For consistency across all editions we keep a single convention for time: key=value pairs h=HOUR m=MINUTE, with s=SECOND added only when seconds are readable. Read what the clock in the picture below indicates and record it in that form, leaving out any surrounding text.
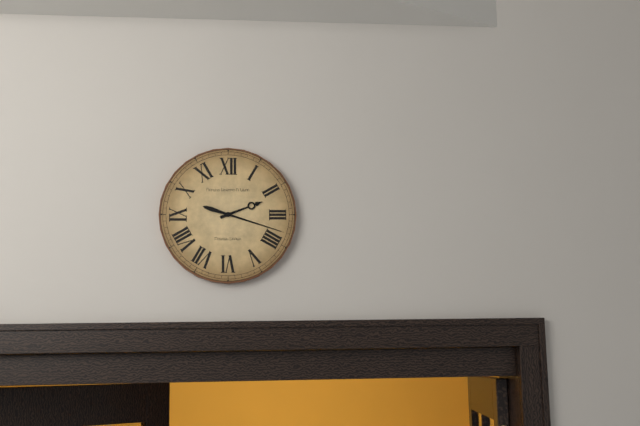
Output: h=2 m=18
